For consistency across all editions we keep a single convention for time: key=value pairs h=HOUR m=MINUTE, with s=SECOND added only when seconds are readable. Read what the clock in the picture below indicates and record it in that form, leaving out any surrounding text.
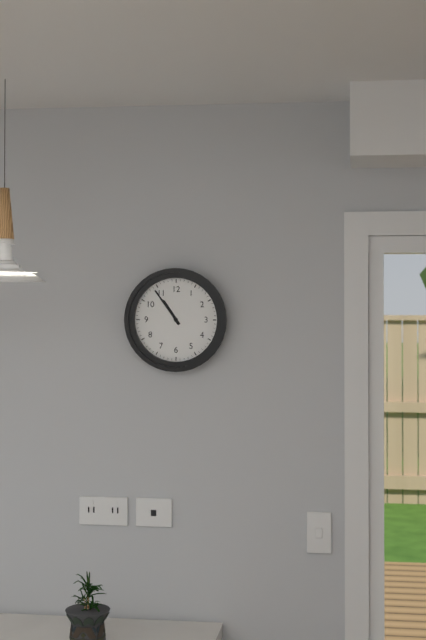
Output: h=10 m=54
